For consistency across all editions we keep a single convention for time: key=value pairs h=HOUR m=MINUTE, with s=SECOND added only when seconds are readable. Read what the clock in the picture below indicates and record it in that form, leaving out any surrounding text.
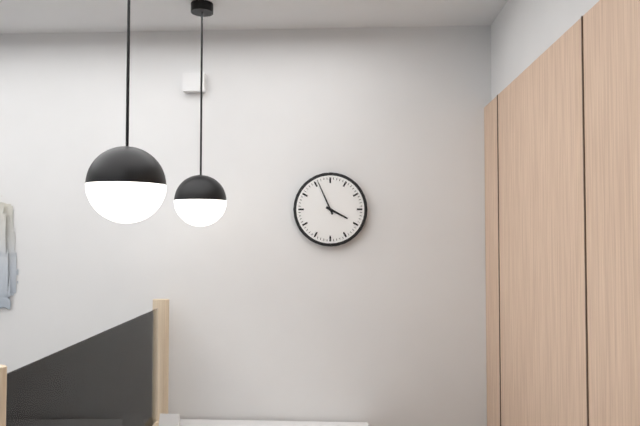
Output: h=3 m=56
